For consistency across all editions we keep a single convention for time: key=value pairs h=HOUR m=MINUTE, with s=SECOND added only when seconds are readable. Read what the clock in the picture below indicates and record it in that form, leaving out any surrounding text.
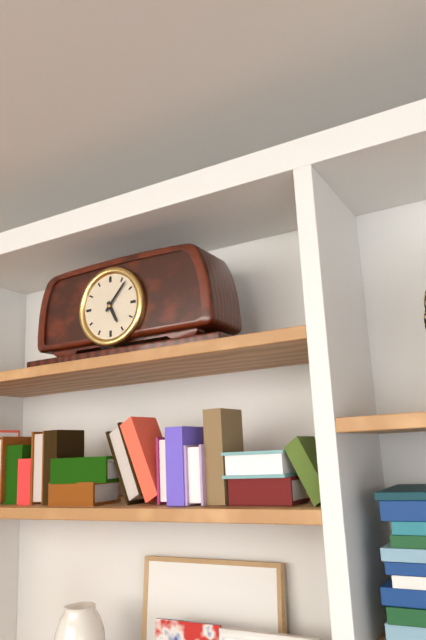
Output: h=5 m=7
